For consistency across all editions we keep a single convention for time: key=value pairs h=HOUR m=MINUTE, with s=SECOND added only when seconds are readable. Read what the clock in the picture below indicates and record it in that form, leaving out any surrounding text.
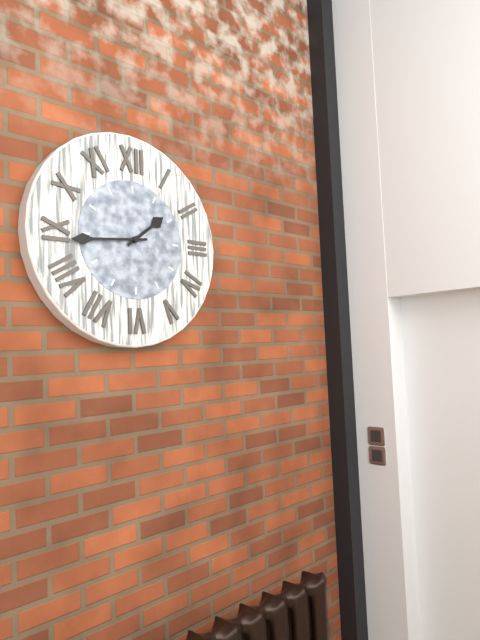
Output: h=1 m=44
